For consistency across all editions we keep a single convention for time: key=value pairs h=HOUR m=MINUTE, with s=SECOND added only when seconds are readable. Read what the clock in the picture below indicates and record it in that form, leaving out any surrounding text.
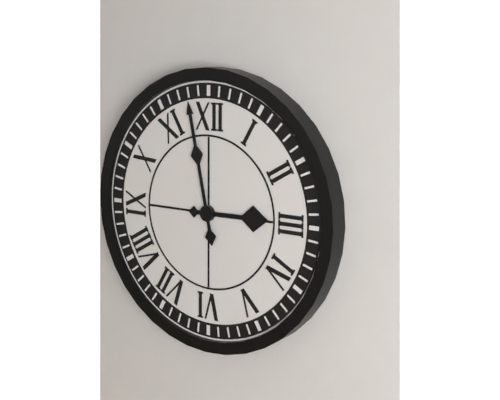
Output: h=2 m=58
